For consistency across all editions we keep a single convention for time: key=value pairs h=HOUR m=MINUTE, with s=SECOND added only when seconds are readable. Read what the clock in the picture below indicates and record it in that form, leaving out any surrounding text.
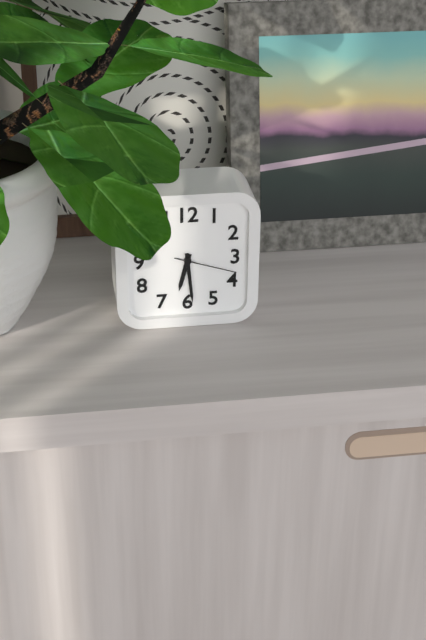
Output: h=6 m=29 s=18
